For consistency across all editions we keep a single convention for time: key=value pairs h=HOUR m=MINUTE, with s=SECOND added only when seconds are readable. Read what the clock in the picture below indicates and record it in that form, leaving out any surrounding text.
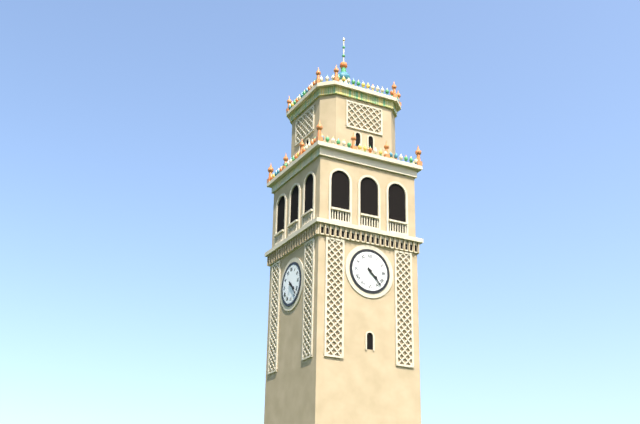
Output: h=4 m=23
